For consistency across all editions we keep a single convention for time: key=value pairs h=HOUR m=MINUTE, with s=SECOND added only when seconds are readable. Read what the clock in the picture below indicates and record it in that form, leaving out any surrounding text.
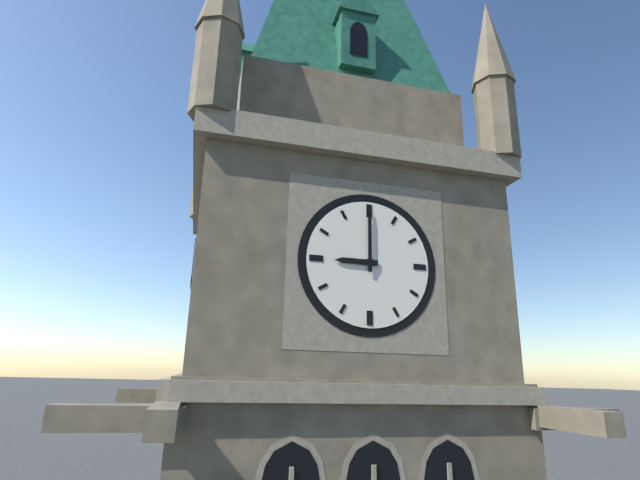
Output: h=9 m=0
